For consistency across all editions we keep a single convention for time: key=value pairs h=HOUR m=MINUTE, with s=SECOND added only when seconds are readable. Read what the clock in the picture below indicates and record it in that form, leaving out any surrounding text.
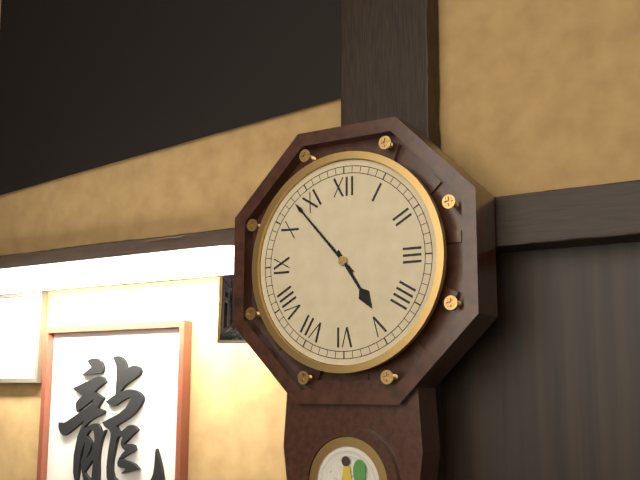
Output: h=4 m=53
